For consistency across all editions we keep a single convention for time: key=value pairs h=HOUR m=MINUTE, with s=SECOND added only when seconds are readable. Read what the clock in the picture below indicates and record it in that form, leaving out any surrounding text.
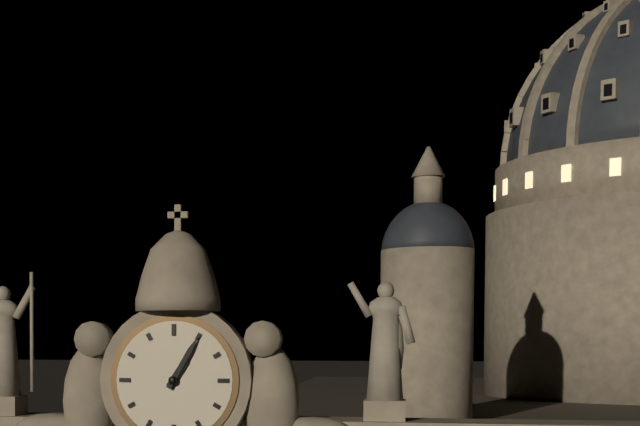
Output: h=1 m=5
